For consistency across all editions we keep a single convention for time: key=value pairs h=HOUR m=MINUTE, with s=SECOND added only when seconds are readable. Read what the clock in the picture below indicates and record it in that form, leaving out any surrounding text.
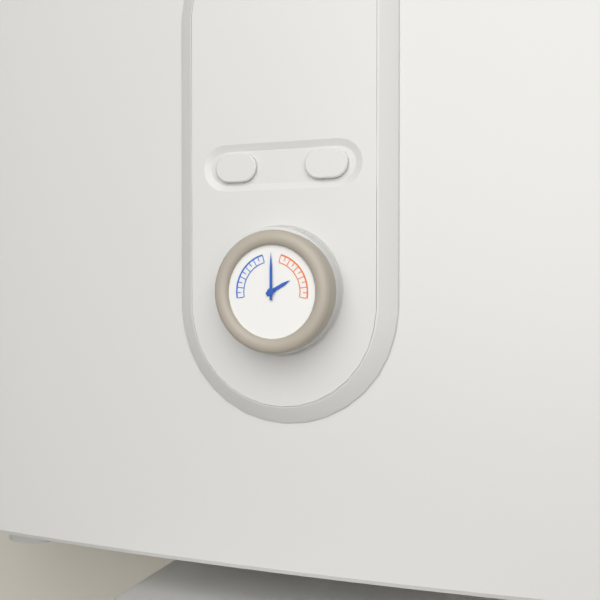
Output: h=2 m=0
